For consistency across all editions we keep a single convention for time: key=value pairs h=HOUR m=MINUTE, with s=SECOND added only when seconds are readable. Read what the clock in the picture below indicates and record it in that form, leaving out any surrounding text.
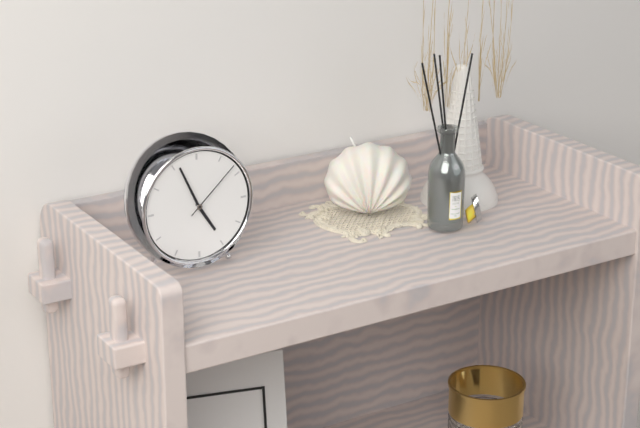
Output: h=4 m=56 s=8
